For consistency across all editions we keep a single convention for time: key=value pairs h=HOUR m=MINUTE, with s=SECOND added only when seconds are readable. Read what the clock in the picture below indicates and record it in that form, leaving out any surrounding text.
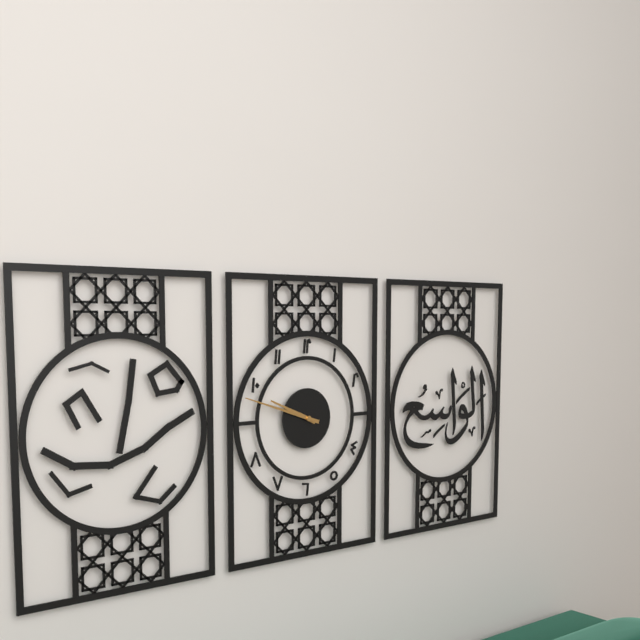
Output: h=9 m=48
